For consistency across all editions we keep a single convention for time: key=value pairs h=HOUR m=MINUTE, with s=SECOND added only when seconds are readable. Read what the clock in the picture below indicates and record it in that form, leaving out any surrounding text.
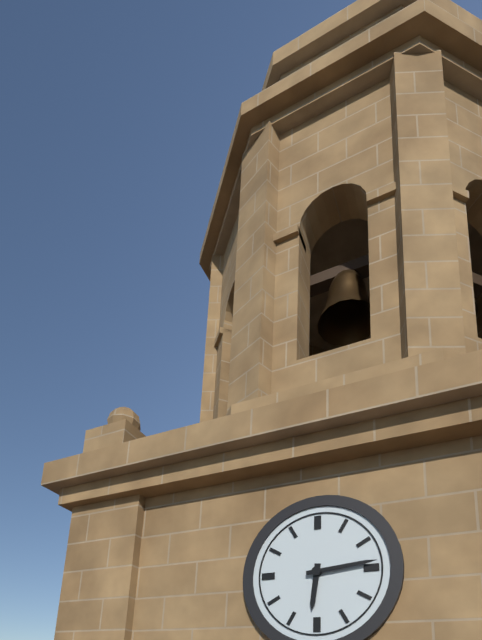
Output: h=6 m=14
